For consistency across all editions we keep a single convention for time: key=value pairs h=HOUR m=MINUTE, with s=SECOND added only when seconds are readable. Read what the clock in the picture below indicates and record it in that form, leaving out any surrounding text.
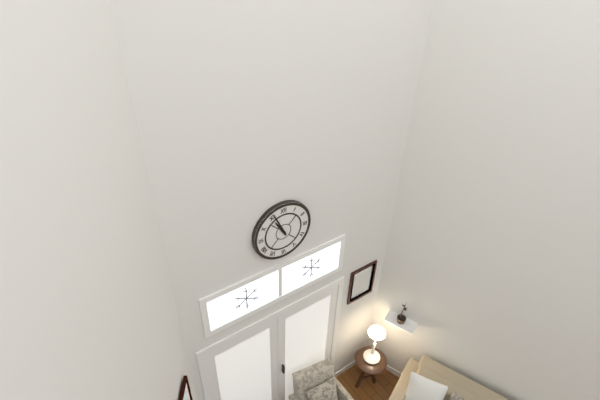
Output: h=10 m=56
